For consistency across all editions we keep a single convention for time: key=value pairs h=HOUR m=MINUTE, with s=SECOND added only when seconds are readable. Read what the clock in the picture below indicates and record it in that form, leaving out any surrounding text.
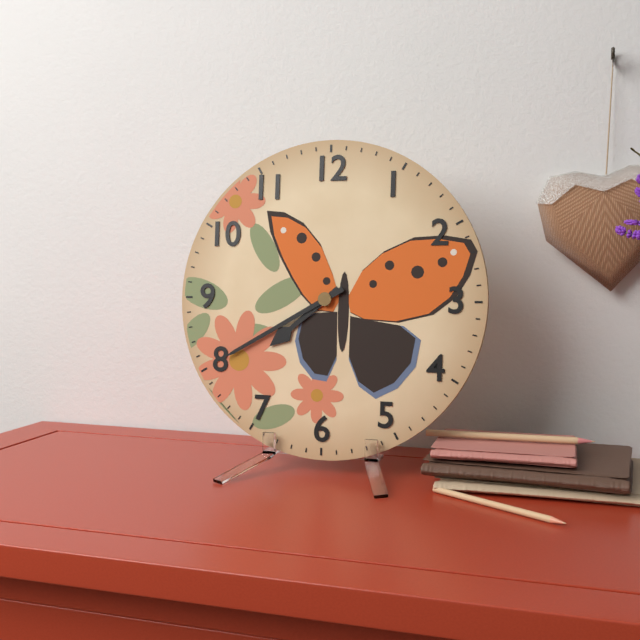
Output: h=7 m=40
